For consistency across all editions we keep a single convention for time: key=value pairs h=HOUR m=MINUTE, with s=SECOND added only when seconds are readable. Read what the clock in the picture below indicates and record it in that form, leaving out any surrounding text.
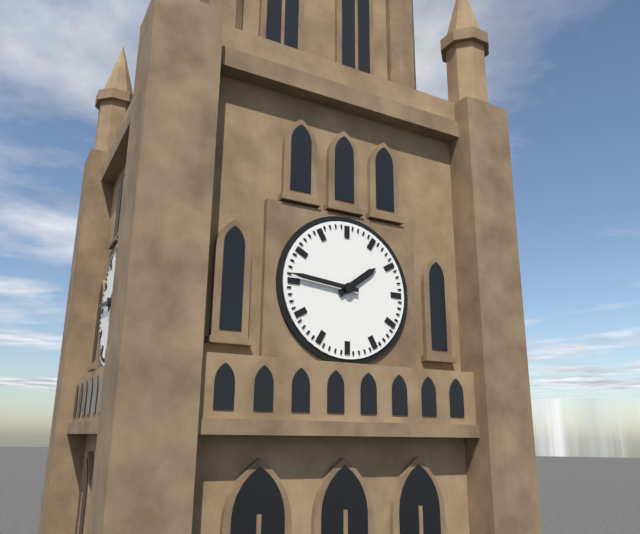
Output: h=1 m=46
